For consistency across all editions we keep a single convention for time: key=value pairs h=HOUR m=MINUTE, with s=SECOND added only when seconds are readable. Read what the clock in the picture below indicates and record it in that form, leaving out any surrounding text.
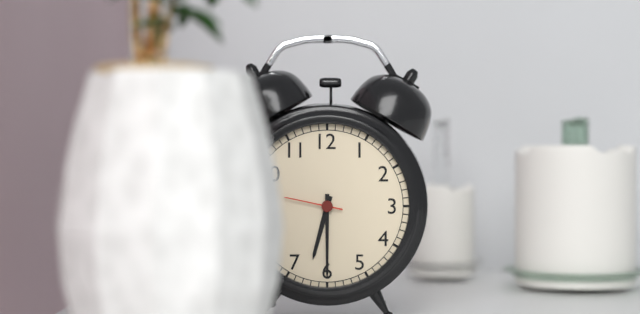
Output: h=6 m=30 s=47
